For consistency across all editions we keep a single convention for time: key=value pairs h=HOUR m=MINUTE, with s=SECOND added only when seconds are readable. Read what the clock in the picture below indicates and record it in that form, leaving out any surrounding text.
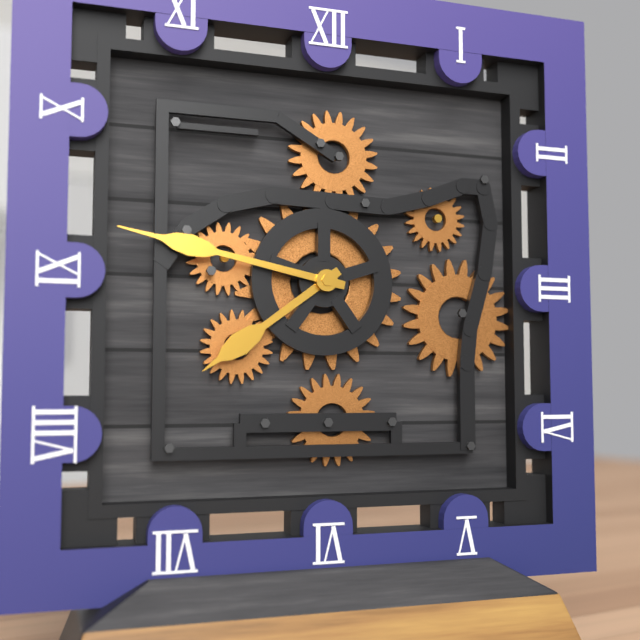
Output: h=7 m=47
